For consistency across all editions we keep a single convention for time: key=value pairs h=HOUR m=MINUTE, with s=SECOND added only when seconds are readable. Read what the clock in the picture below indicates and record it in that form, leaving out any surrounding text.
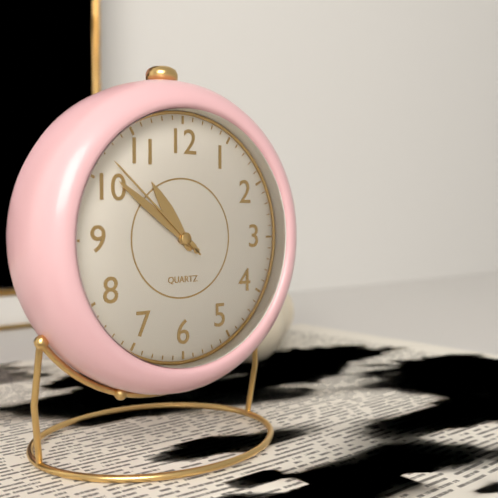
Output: h=10 m=51 s=52
